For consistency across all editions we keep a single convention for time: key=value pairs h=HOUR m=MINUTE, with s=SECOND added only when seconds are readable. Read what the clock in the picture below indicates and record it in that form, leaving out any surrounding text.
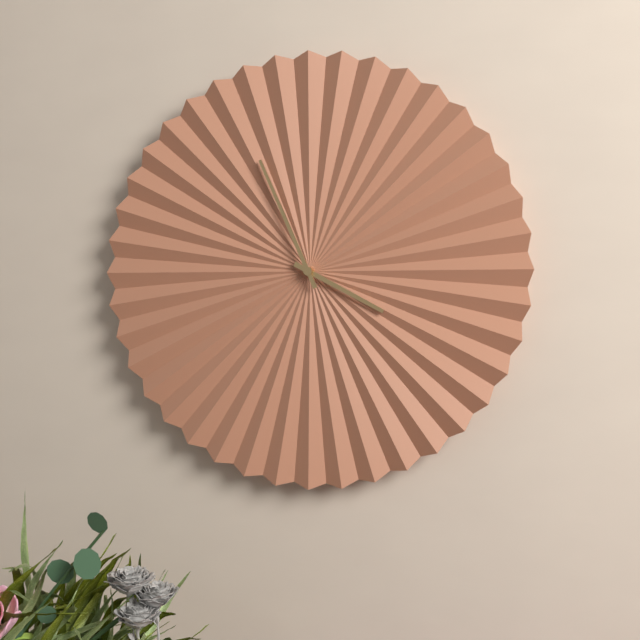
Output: h=3 m=56
